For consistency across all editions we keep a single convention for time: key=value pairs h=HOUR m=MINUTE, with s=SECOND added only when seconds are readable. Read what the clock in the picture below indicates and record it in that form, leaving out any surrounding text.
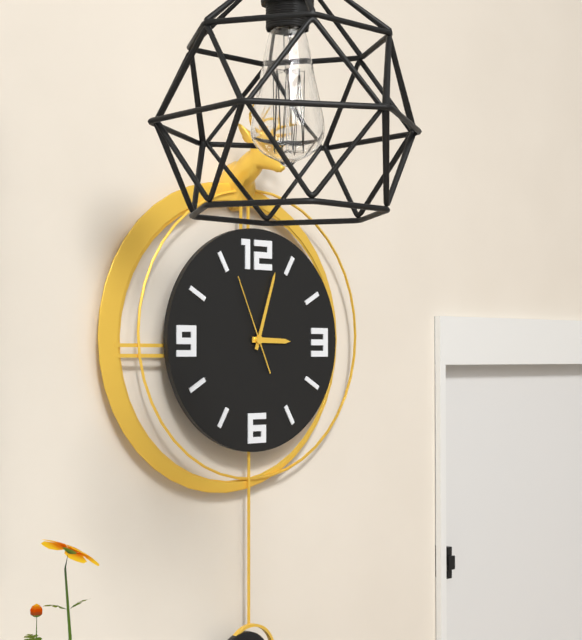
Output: h=3 m=3 s=56
